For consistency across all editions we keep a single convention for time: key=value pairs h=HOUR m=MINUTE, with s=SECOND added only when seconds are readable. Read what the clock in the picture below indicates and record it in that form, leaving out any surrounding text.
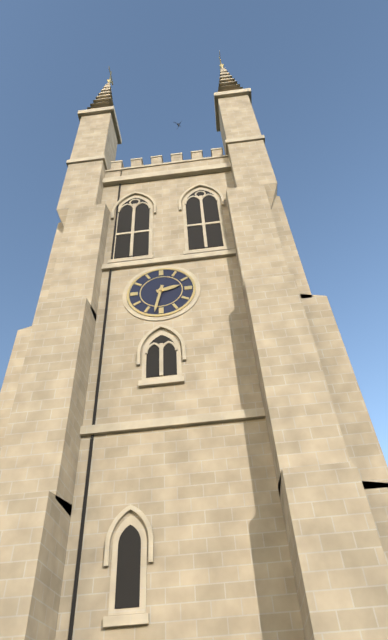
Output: h=2 m=32
